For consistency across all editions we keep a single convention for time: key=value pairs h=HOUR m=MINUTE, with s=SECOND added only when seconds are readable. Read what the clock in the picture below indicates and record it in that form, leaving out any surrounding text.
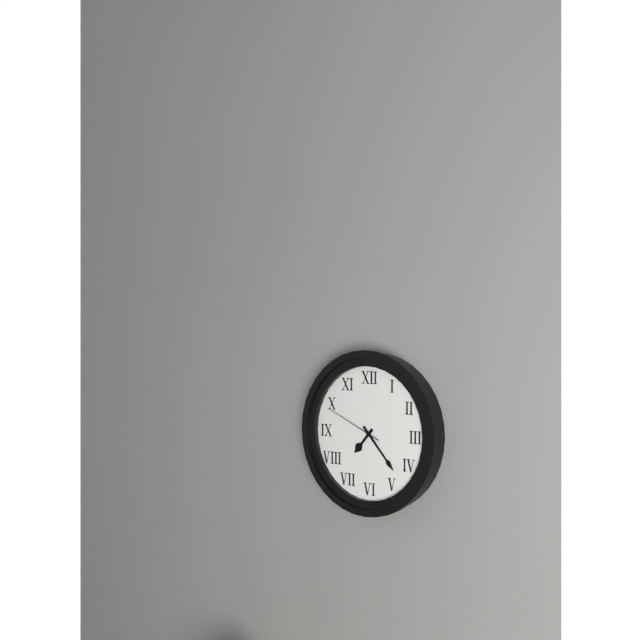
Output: h=7 m=23 s=49
